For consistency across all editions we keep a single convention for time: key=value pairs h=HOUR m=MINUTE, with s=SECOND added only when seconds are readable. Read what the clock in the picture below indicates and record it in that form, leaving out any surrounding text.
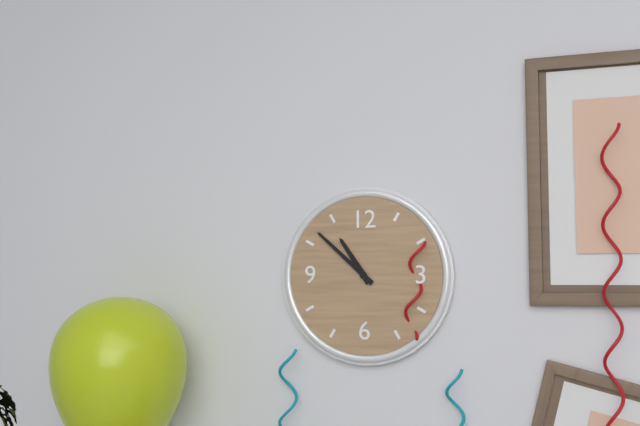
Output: h=10 m=52
